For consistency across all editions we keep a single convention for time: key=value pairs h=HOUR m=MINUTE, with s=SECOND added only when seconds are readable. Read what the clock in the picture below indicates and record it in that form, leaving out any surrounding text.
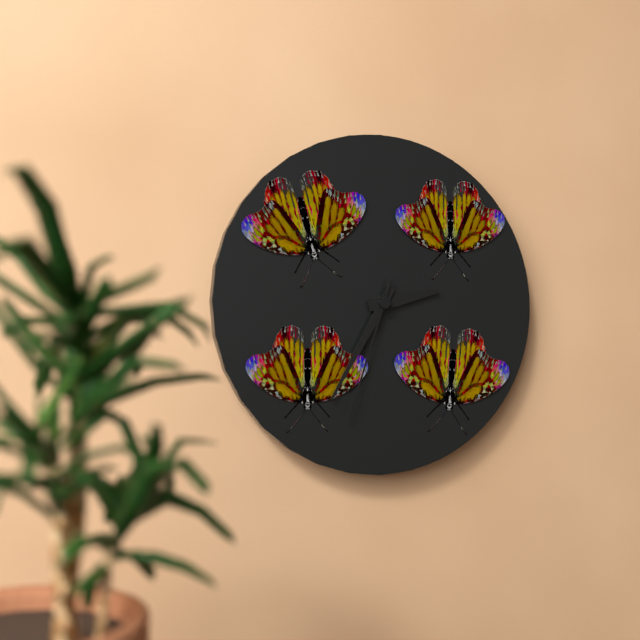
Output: h=2 m=35 s=33
